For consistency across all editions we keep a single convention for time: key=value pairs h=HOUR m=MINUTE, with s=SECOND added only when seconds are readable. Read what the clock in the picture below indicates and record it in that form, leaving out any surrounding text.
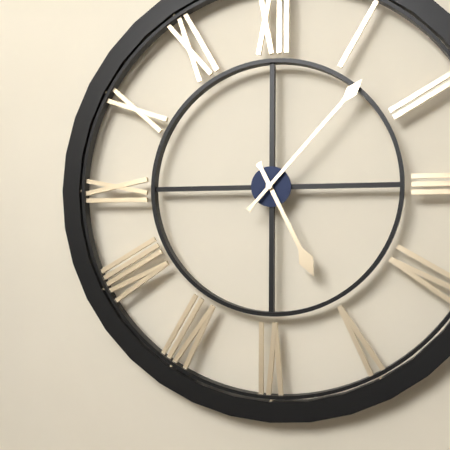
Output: h=5 m=7
